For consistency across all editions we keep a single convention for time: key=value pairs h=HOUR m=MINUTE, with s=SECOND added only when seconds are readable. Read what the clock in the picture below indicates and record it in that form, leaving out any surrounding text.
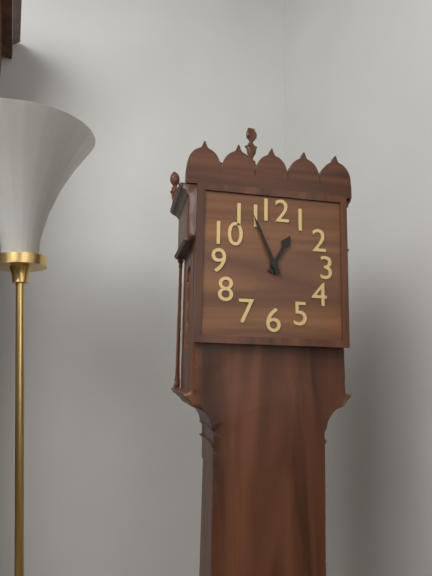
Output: h=12 m=56
